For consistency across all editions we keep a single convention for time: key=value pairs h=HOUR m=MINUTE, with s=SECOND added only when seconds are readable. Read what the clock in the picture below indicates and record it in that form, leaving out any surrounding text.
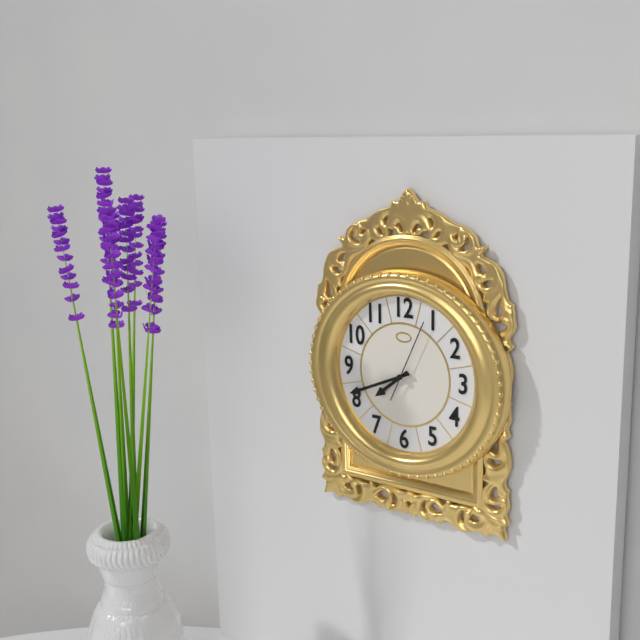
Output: h=7 m=41 s=4
